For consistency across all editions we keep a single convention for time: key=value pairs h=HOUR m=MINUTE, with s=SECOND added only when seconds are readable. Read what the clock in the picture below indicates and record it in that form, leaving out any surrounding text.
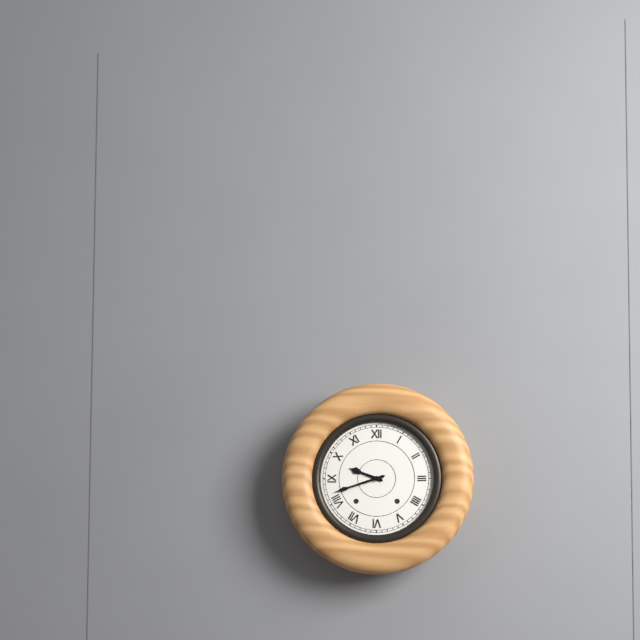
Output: h=9 m=42
